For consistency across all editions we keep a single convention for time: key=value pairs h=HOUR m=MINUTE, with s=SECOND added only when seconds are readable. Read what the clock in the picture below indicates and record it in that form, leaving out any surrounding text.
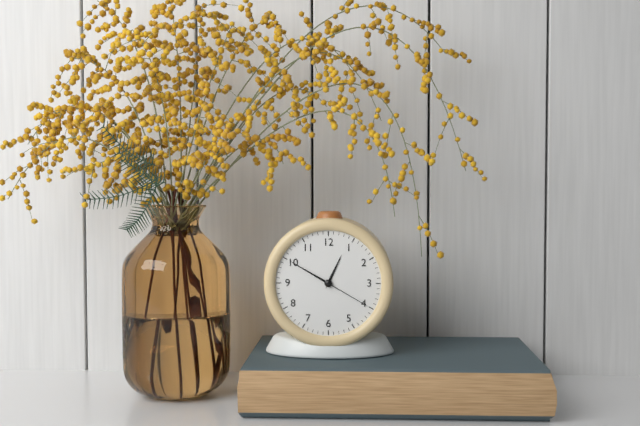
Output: h=12 m=50 s=20
